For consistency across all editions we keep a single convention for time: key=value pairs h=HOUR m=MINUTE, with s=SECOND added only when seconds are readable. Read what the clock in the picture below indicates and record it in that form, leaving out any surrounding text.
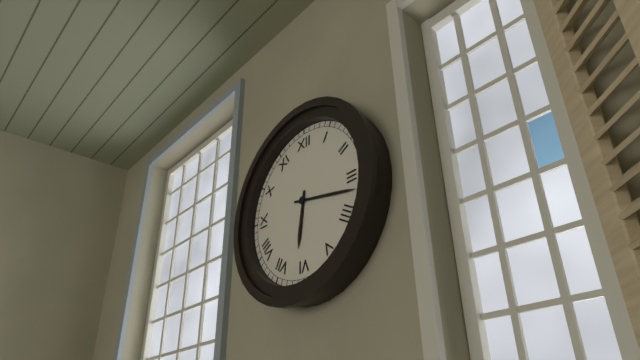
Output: h=6 m=17
